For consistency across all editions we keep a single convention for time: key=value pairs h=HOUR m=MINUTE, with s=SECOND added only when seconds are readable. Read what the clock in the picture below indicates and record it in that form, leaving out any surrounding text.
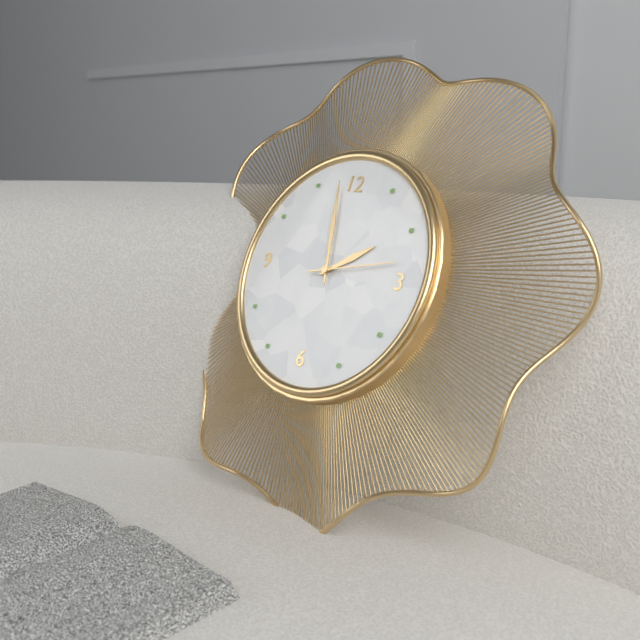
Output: h=1 m=58 s=13
